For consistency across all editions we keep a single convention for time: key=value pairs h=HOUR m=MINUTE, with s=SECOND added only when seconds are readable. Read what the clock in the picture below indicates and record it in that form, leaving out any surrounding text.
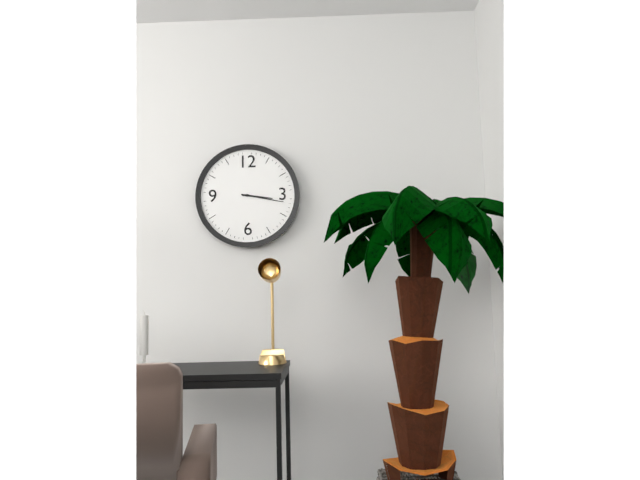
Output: h=3 m=17
